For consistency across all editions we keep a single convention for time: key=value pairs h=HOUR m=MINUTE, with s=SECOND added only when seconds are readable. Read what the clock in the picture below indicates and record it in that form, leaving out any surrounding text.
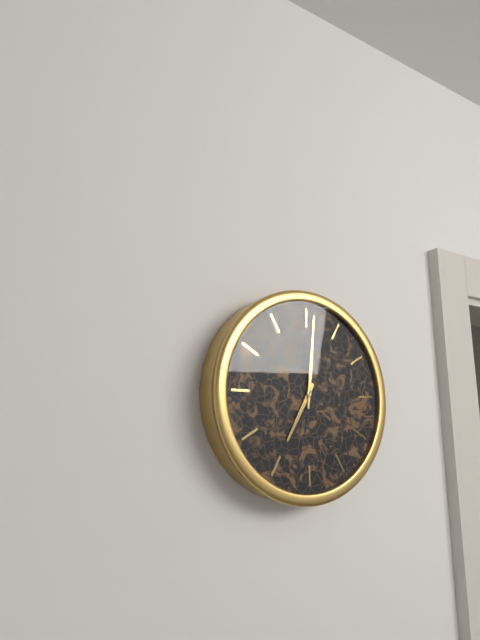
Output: h=7 m=1
